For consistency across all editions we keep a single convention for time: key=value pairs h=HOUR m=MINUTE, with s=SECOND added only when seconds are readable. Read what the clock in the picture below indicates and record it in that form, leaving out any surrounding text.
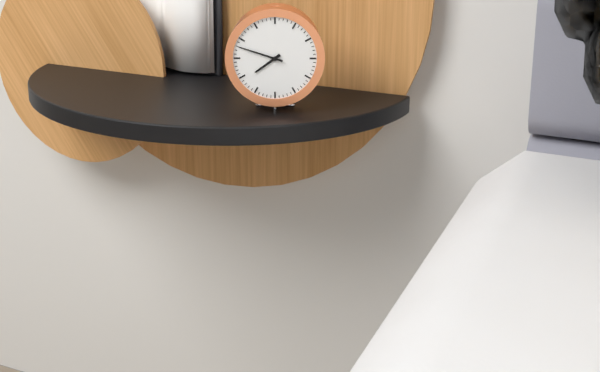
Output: h=7 m=48
